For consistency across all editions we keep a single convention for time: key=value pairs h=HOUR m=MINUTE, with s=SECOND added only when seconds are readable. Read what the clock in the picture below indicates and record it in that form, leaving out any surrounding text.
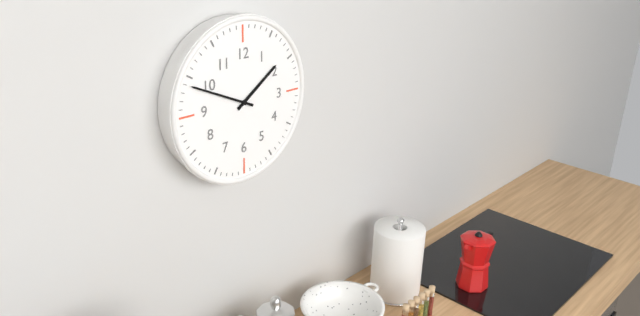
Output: h=1 m=49
